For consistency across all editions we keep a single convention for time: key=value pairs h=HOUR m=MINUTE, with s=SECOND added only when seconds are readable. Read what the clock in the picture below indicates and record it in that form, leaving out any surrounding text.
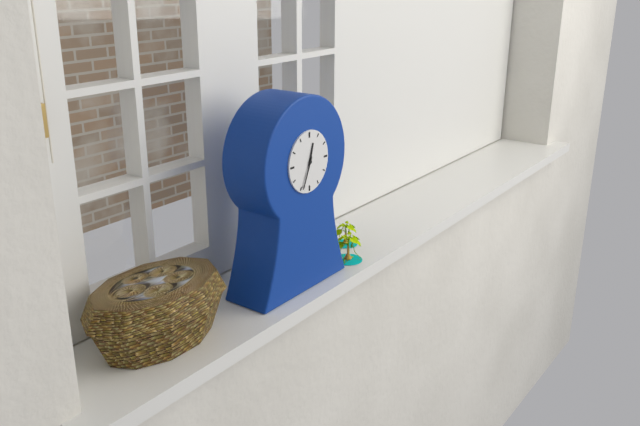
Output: h=12 m=34
